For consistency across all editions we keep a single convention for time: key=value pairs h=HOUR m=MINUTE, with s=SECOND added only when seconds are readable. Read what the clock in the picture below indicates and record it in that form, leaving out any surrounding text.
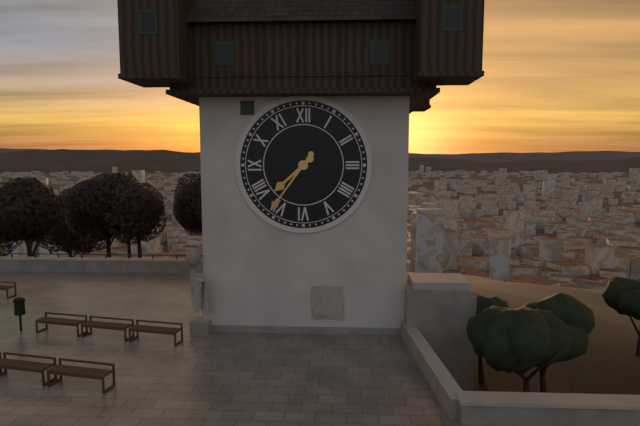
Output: h=7 m=36
